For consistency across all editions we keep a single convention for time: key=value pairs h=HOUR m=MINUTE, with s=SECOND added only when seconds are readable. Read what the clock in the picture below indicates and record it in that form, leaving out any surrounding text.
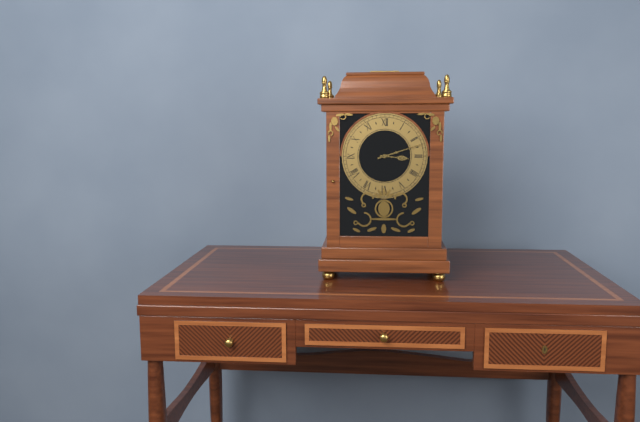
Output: h=3 m=12
